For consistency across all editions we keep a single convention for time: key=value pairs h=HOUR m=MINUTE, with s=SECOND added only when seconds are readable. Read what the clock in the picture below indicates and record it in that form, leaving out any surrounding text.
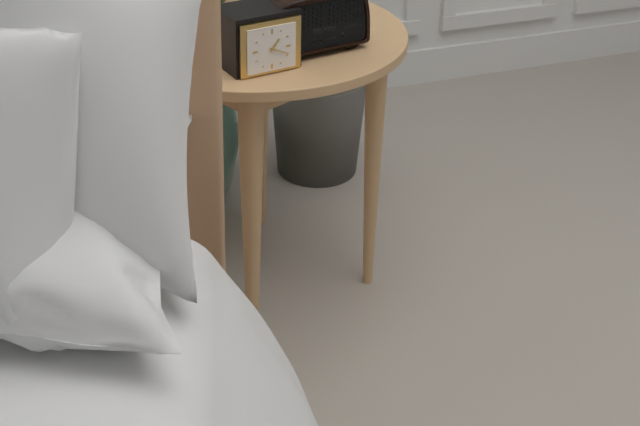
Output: h=1 m=19
